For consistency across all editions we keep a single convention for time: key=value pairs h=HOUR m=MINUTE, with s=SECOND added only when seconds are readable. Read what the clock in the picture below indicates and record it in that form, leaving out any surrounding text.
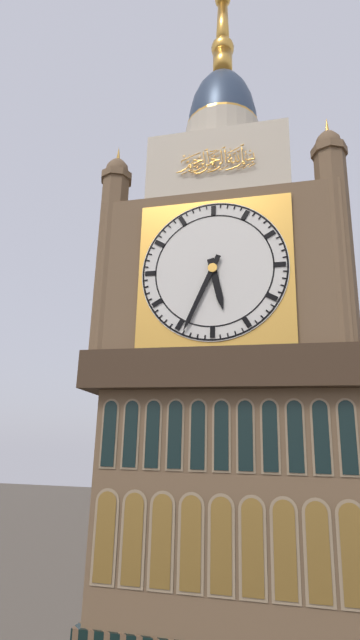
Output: h=5 m=34
